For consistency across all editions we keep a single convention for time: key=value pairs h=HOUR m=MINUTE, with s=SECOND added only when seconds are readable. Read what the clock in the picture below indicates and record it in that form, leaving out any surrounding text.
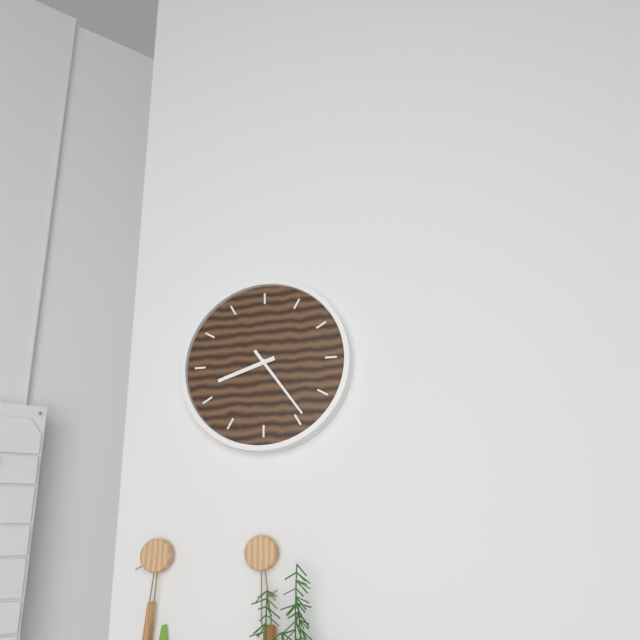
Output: h=8 m=24
